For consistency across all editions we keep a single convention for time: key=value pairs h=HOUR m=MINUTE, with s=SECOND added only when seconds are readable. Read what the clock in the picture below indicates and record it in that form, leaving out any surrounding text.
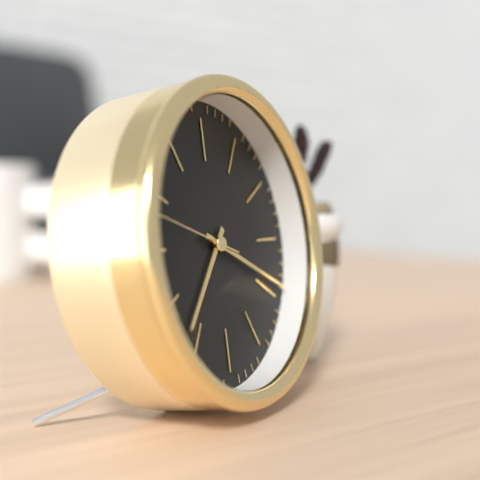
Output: h=7 m=19 s=48
